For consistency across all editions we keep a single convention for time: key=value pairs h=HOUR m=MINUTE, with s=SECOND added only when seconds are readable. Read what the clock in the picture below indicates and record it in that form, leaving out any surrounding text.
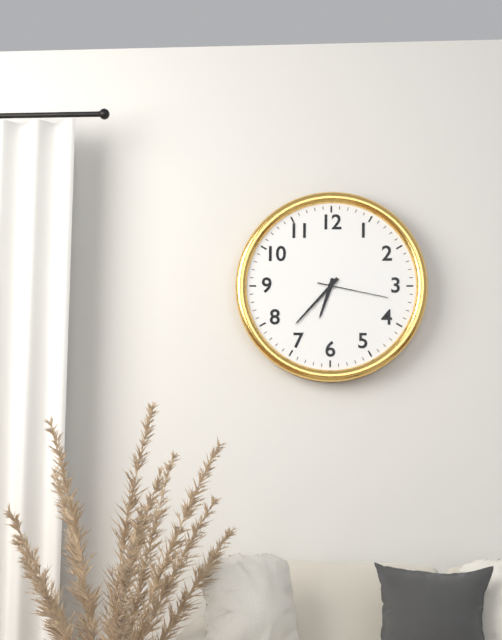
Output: h=6 m=37 s=17
